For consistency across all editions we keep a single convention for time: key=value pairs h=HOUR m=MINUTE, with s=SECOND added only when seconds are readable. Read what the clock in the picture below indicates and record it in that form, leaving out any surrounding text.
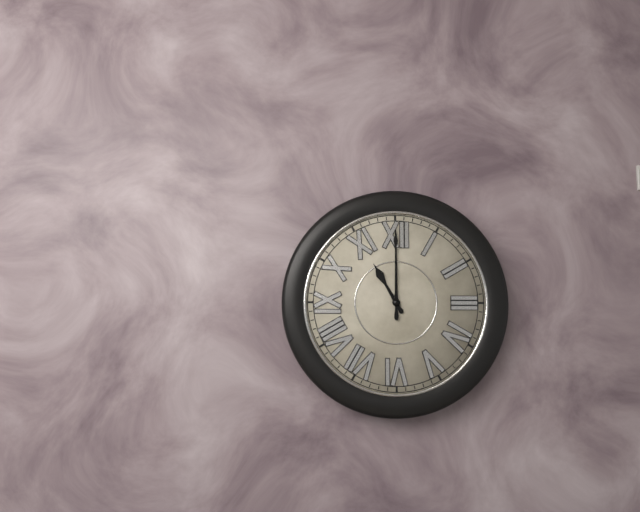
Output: h=11 m=0
